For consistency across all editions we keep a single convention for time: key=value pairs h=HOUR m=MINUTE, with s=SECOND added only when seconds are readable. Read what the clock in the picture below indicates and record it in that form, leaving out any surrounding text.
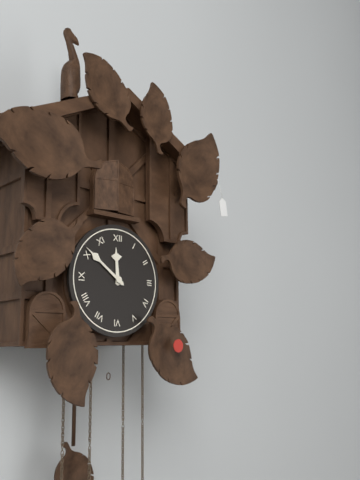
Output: h=11 m=51
